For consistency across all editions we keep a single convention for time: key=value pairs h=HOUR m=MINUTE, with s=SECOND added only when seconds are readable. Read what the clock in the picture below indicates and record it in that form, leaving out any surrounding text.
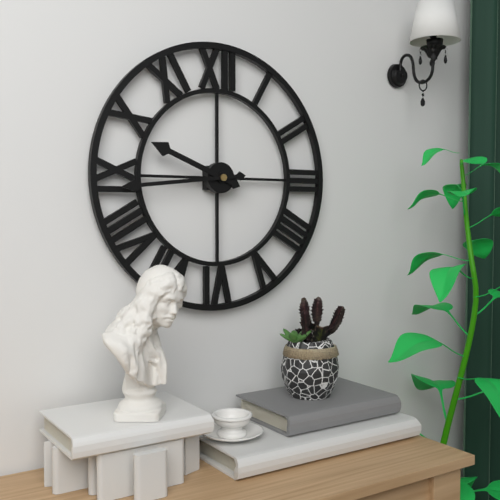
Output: h=9 m=44
